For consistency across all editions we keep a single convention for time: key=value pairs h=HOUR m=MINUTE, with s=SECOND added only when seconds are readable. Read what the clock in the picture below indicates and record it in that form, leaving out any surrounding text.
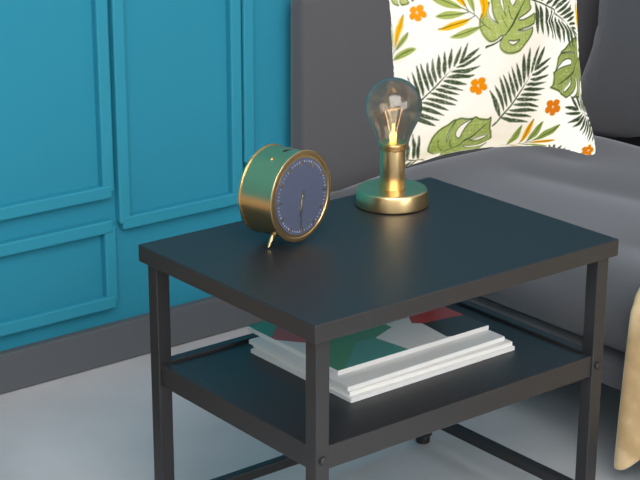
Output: h=6 m=31
